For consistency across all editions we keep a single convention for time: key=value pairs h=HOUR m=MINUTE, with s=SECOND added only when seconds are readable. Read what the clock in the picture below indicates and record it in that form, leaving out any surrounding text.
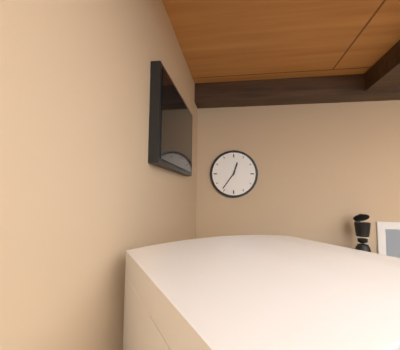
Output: h=12 m=36
